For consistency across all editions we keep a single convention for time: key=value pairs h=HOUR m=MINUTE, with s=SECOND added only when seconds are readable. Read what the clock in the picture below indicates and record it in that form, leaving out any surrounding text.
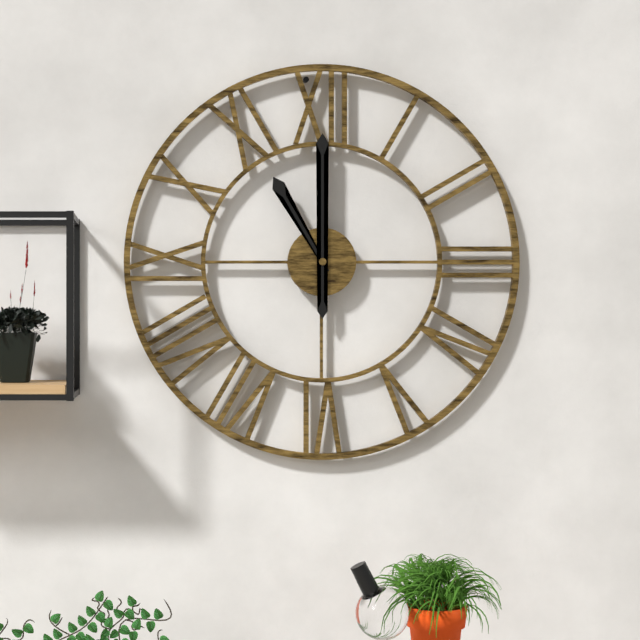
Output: h=11 m=0
